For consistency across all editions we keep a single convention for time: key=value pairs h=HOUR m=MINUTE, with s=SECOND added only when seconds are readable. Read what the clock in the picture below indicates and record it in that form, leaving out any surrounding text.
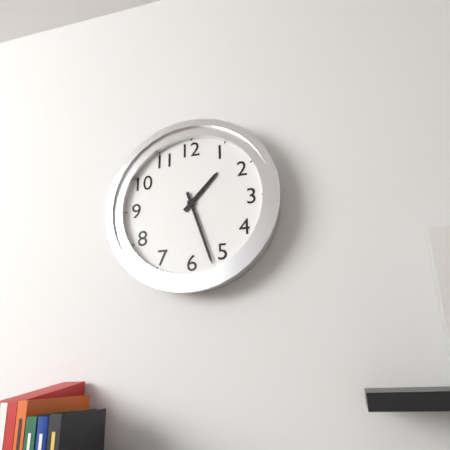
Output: h=1 m=27
